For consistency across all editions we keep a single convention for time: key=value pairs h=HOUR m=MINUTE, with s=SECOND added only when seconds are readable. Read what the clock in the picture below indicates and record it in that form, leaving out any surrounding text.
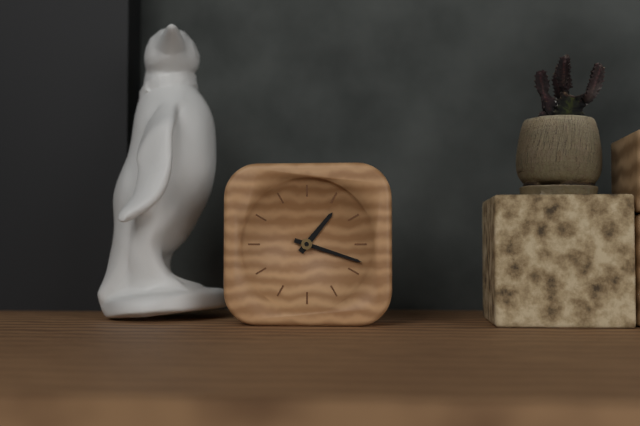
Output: h=1 m=18
